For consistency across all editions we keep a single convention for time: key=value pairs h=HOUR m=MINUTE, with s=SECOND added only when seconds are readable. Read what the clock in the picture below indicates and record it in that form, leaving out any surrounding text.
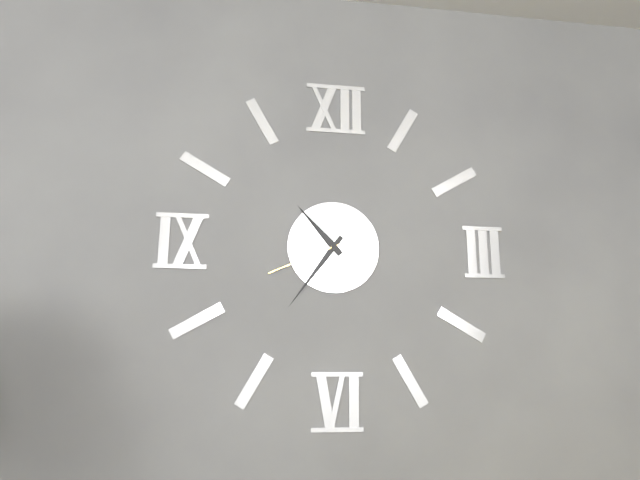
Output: h=10 m=36 s=41
